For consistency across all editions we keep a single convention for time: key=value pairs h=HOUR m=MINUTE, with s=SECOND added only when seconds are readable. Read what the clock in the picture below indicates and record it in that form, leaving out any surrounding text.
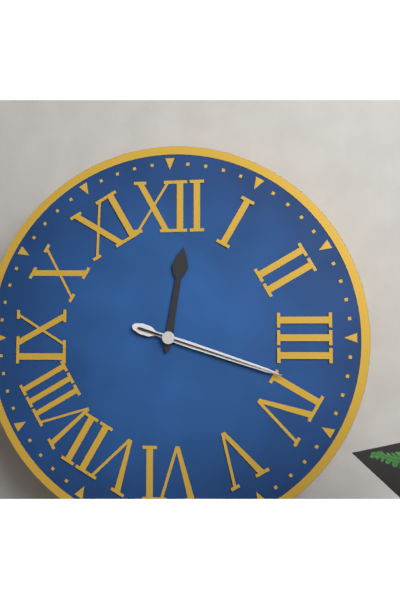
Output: h=12 m=18 s=18
